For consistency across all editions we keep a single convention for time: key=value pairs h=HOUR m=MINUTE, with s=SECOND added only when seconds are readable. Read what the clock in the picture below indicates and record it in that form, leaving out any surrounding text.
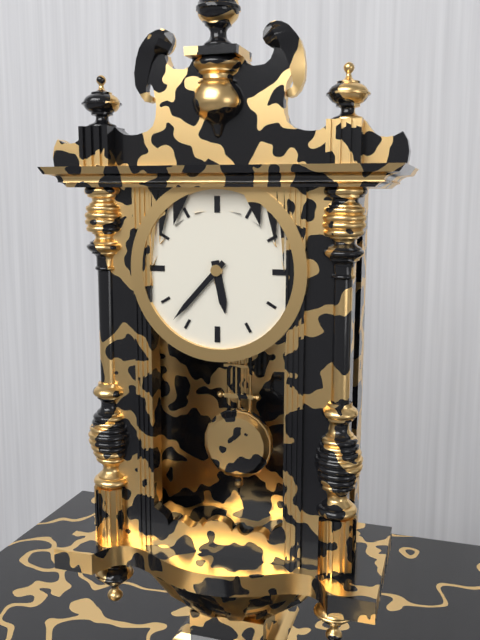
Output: h=5 m=37
